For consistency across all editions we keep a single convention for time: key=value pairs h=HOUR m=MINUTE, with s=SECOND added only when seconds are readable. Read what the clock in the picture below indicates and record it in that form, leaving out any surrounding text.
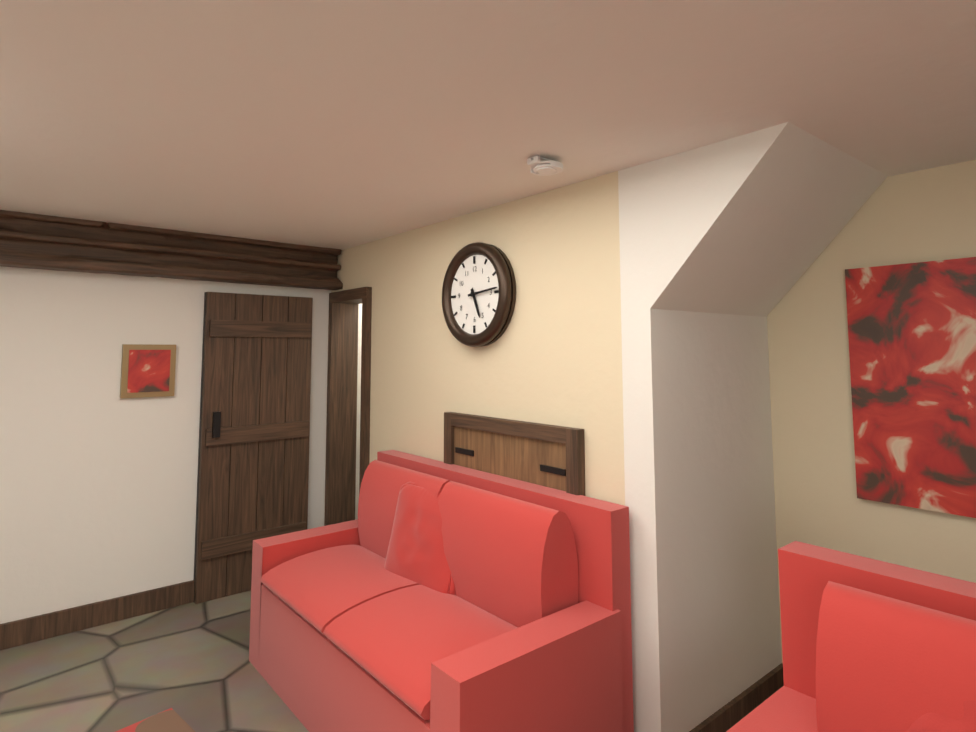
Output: h=5 m=14
